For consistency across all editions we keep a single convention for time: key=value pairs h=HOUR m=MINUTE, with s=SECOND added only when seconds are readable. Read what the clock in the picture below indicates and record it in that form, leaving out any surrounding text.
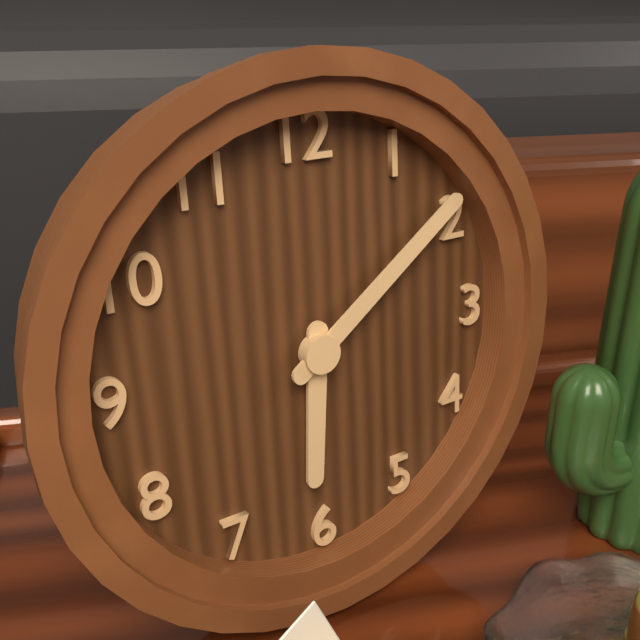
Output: h=6 m=9
